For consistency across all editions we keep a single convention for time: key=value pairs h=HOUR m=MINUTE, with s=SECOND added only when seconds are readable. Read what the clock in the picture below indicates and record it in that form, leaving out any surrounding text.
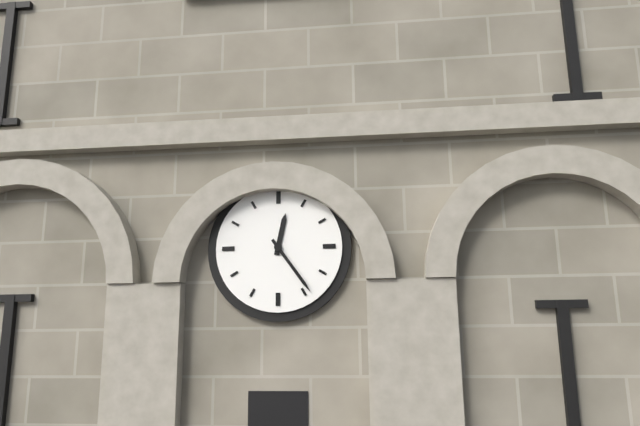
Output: h=12 m=24
